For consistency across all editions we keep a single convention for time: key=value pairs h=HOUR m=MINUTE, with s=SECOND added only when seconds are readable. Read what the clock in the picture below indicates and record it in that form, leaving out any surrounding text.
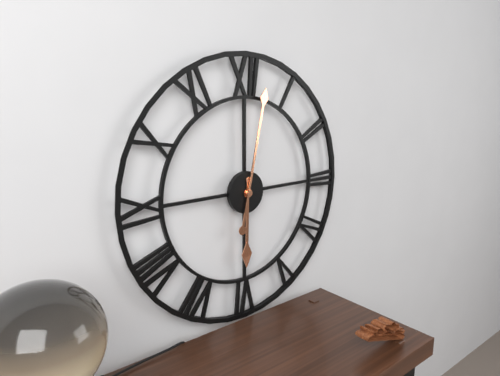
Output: h=6 m=2
